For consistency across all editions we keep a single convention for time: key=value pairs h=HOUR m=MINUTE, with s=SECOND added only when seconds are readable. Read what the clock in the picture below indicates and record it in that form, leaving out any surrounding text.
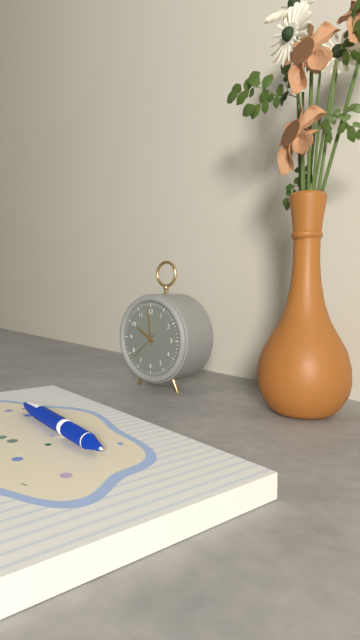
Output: h=9 m=59
